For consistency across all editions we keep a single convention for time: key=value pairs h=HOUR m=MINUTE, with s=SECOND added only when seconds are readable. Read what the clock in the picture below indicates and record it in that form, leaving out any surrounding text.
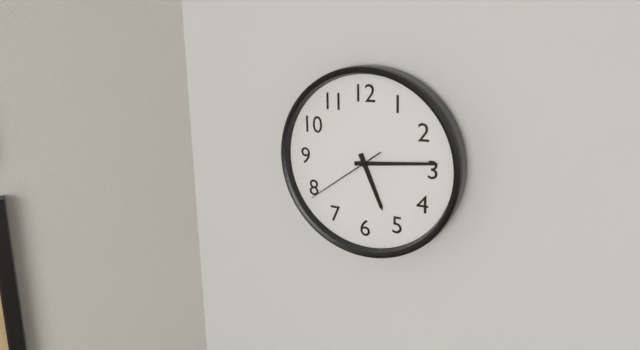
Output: h=5 m=14 s=39
